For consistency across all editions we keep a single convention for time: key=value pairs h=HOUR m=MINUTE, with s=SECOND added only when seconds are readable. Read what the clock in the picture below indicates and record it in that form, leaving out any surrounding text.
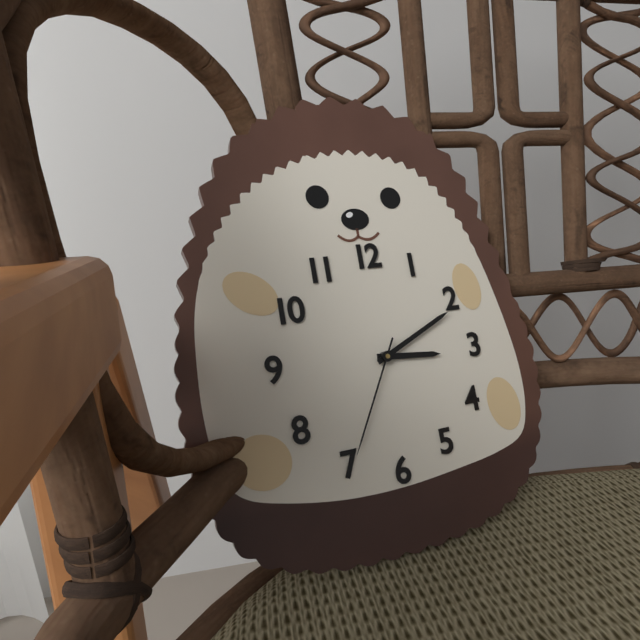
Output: h=3 m=11 s=35
